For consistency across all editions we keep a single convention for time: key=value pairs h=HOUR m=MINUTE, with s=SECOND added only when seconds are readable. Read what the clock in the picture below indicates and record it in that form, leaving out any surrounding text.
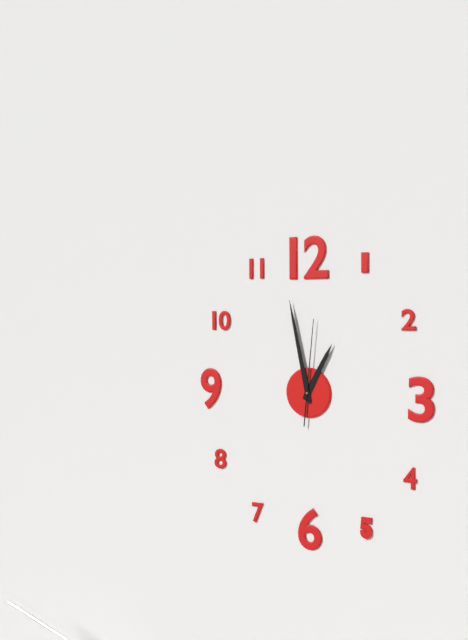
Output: h=12 m=58 s=1
